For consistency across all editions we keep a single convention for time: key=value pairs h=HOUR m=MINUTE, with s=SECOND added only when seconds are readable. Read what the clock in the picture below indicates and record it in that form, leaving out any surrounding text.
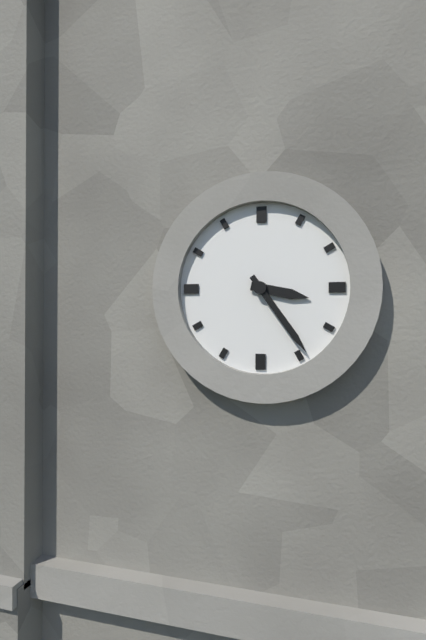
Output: h=3 m=24
